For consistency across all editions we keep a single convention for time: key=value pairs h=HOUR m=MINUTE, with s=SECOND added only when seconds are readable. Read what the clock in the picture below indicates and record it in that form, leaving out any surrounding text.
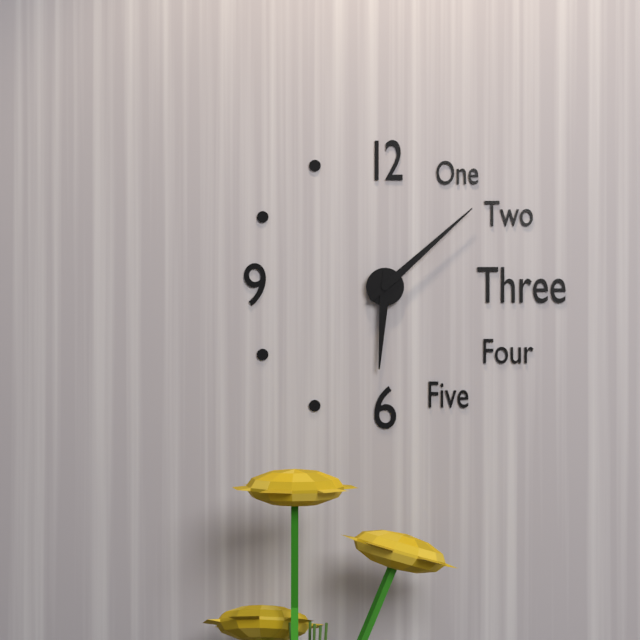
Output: h=6 m=8
